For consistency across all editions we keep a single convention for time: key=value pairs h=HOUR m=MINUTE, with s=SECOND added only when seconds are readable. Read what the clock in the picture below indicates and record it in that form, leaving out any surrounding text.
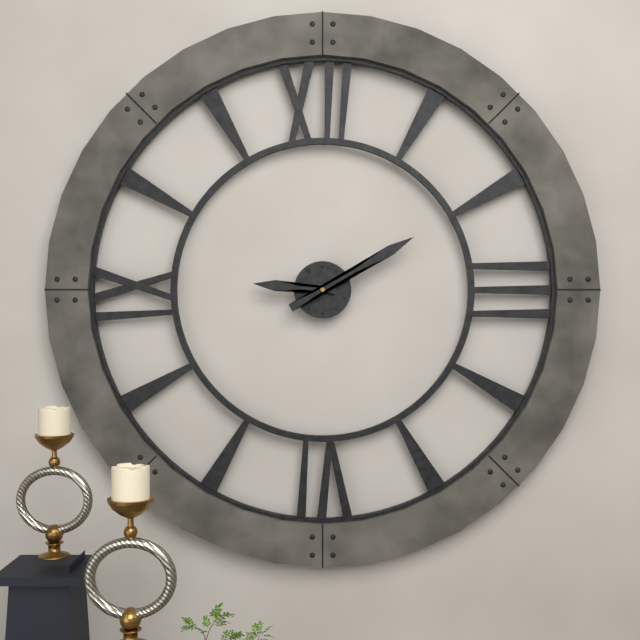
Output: h=9 m=10
